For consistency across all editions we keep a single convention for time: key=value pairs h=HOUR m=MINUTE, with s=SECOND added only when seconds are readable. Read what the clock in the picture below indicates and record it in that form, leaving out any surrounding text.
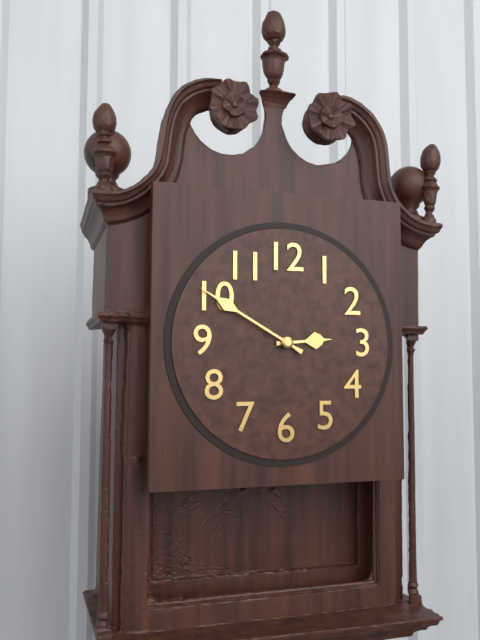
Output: h=2 m=50
